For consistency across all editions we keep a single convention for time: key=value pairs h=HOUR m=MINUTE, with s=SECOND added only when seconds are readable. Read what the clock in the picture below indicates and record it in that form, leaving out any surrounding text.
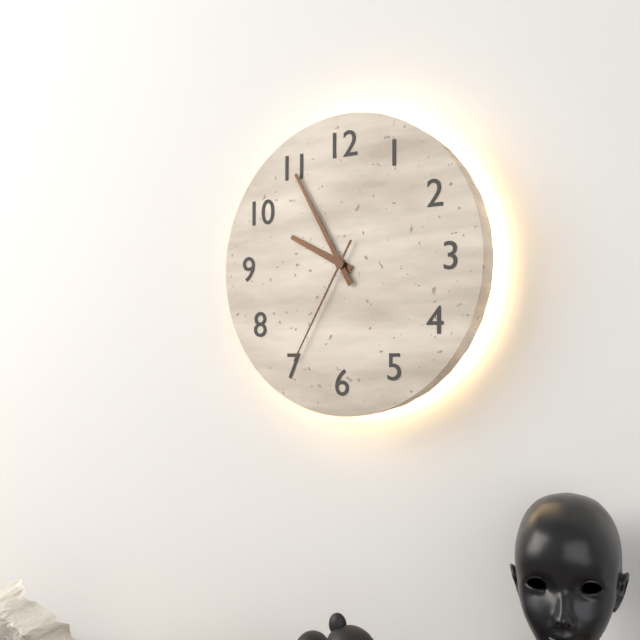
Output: h=9 m=55 s=35
